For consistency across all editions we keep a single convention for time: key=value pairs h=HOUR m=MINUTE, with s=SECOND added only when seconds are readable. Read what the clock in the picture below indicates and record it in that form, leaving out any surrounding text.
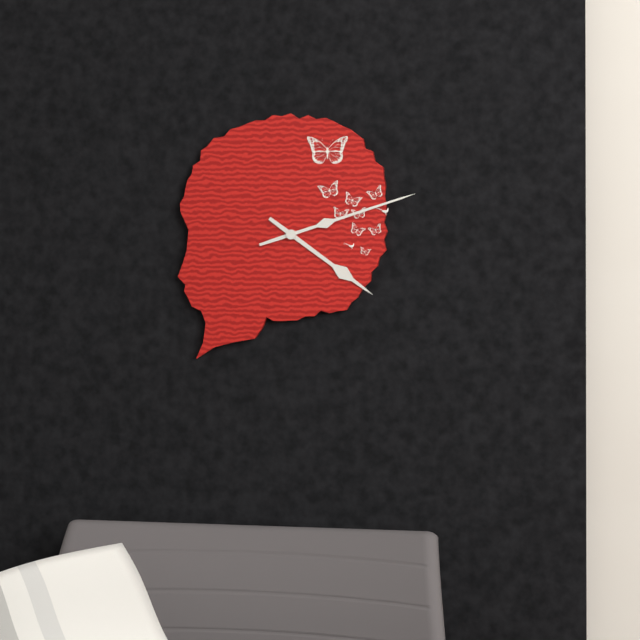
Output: h=4 m=12
